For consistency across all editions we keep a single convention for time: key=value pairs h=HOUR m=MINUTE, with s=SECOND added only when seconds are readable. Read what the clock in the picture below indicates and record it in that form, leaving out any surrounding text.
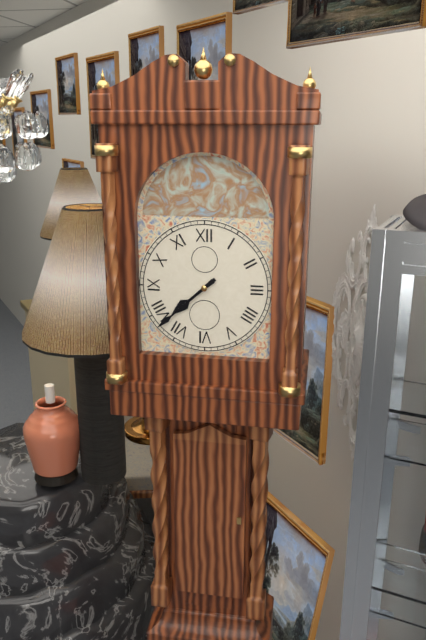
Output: h=7 m=38
